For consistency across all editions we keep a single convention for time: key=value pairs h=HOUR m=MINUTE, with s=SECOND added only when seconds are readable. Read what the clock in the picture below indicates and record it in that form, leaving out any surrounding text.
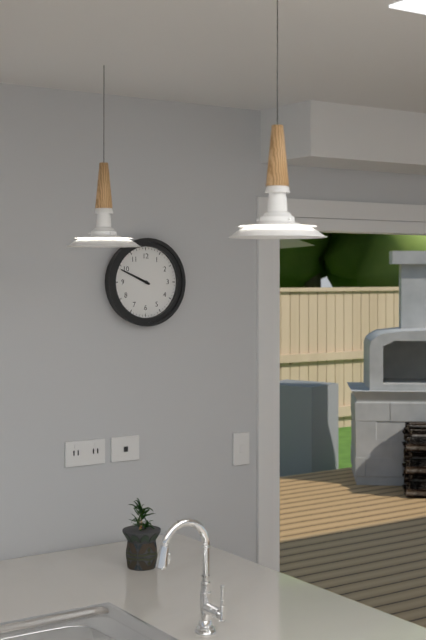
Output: h=9 m=49
